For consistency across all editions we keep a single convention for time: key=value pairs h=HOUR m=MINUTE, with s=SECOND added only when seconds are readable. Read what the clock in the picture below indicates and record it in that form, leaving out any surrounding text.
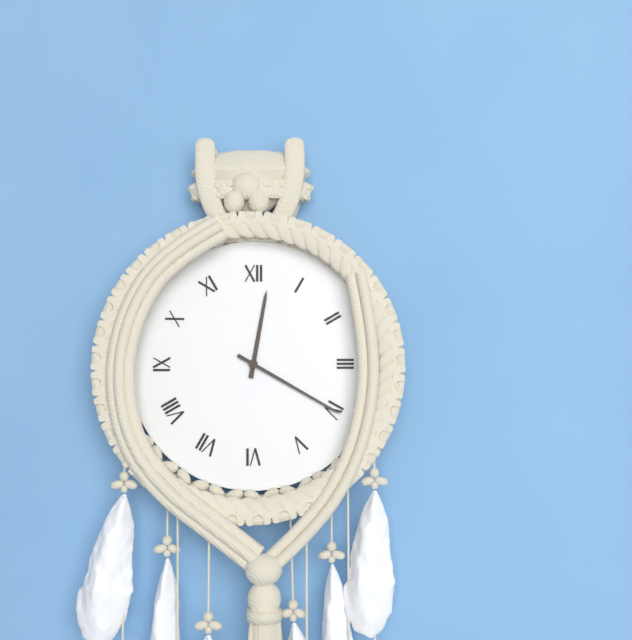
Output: h=12 m=20
